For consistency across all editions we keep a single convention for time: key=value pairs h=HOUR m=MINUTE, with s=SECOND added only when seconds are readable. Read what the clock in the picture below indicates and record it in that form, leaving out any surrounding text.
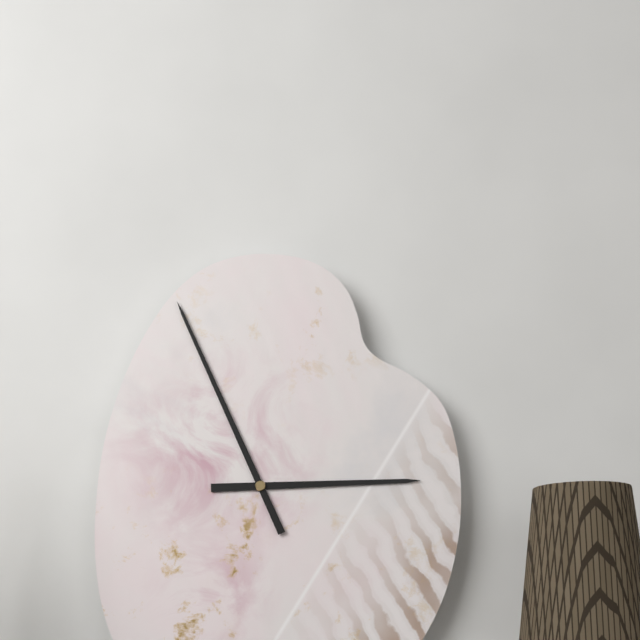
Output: h=2 m=56
